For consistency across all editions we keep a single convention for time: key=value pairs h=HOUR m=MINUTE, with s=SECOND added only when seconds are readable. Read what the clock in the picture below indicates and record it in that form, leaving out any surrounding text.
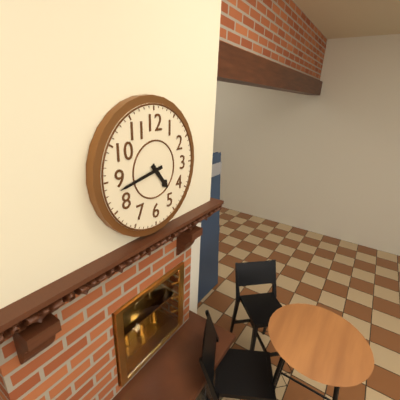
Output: h=4 m=43
